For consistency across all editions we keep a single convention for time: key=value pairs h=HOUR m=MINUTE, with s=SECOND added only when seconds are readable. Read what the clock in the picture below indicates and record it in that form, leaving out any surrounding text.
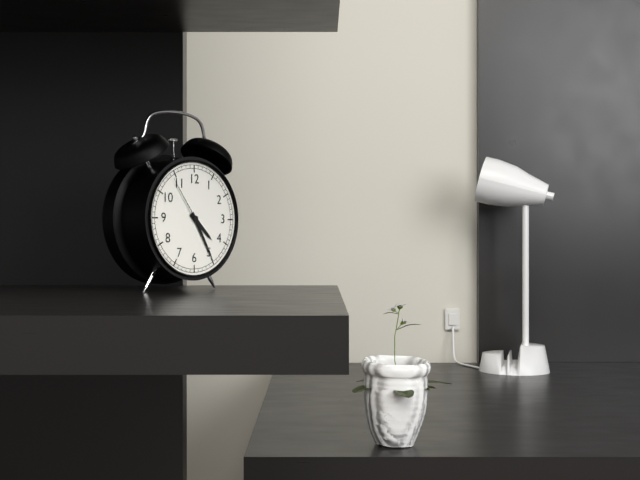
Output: h=4 m=25 s=54
